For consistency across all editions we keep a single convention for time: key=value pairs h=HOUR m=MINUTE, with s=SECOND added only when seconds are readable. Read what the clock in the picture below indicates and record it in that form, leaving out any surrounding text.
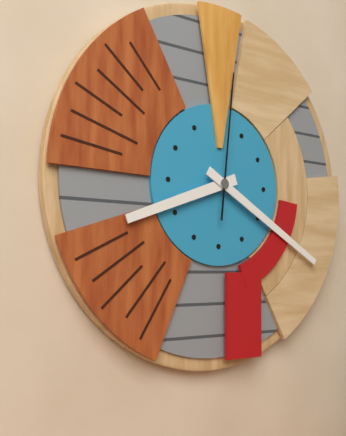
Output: h=8 m=20 s=1
